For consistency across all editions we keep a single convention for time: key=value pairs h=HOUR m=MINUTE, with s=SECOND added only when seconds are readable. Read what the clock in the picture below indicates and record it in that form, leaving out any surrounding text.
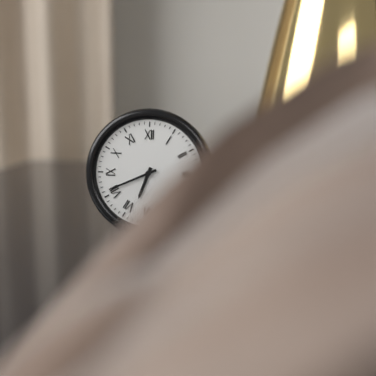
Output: h=6 m=41
